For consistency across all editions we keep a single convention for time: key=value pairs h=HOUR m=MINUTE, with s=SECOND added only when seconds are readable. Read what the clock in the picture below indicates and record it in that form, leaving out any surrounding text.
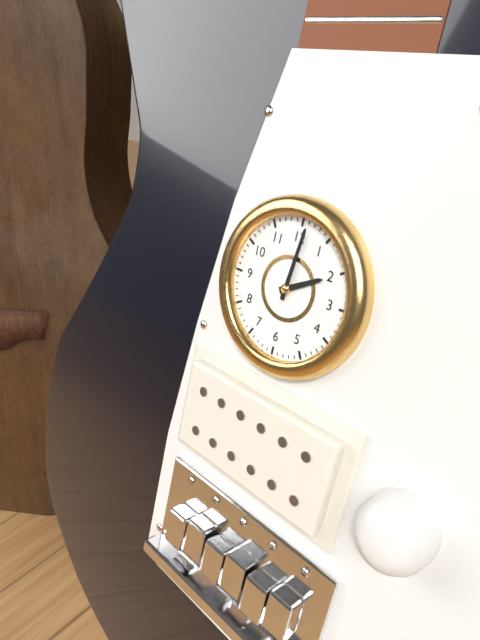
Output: h=2 m=1
